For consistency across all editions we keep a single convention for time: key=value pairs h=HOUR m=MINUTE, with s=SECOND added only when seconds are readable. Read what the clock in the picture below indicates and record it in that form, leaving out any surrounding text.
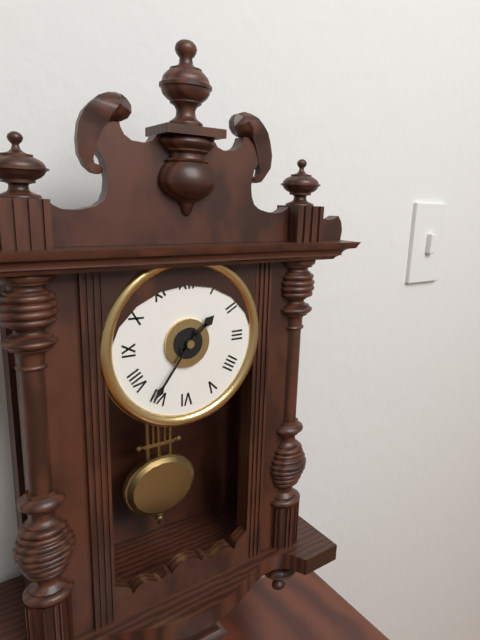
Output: h=1 m=36
